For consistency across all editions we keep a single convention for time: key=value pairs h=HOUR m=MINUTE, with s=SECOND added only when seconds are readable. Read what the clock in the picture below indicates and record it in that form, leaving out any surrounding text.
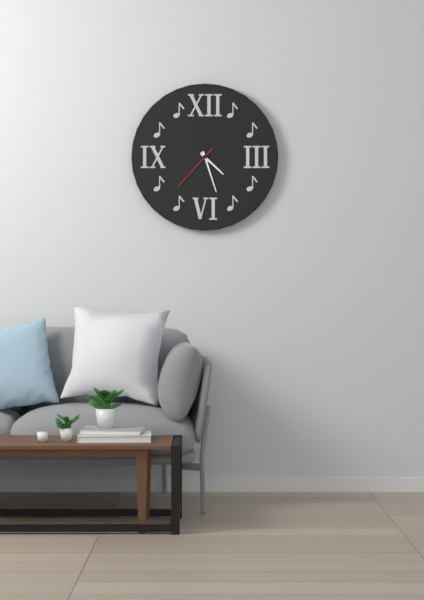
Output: h=4 m=27 s=37
